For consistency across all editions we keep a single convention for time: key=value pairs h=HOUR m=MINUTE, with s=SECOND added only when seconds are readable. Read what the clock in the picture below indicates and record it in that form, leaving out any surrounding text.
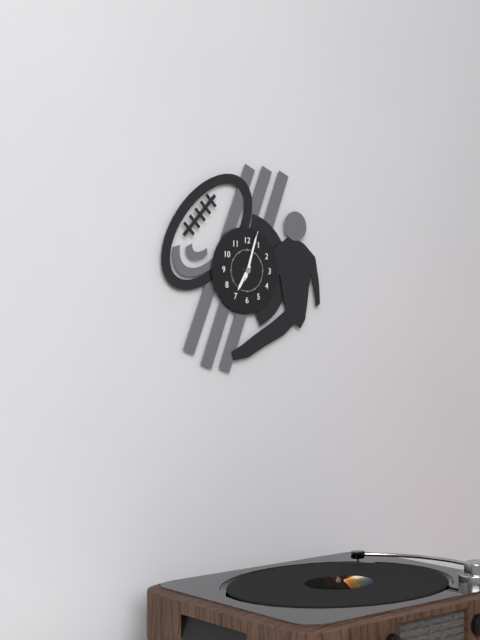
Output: h=7 m=3 s=3
